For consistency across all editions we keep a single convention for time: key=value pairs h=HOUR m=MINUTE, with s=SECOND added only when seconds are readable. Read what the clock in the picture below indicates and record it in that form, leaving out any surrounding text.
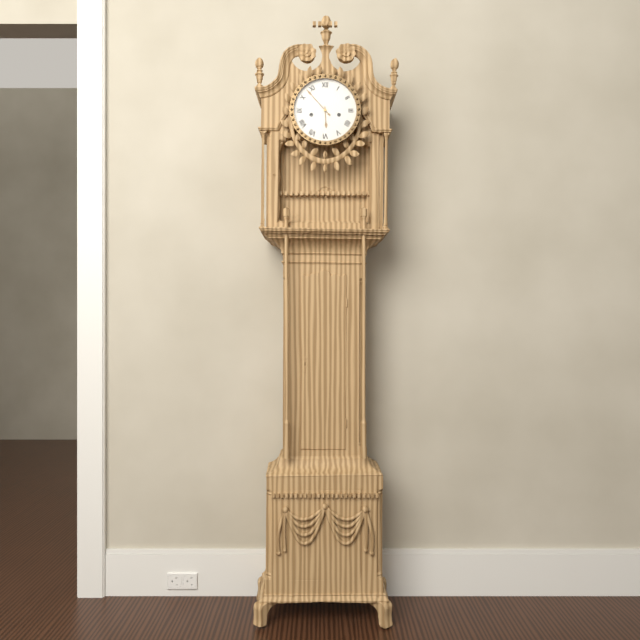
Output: h=5 m=53
